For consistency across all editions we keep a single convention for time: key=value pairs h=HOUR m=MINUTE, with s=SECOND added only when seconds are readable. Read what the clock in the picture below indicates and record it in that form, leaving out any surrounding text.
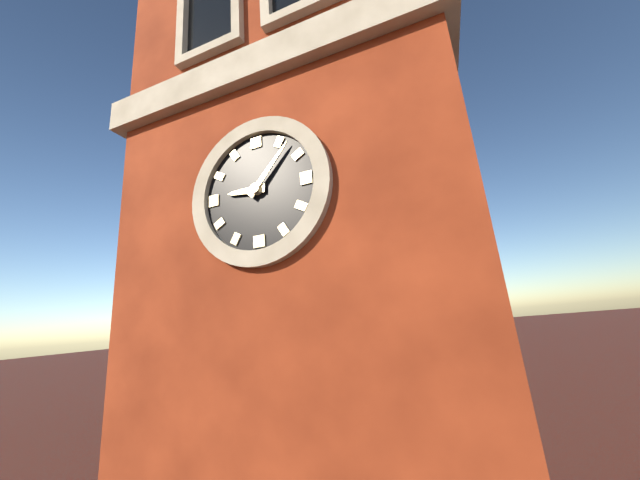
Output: h=9 m=7
